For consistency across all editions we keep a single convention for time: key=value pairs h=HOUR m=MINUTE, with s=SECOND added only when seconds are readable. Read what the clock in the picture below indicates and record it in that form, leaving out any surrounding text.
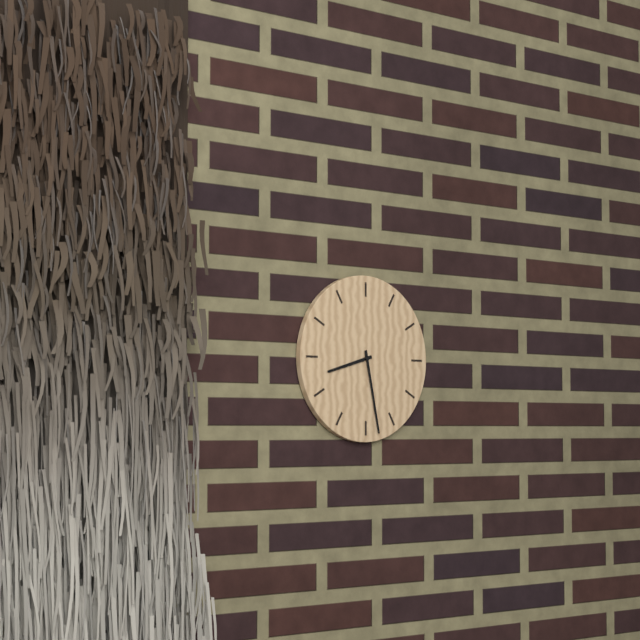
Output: h=8 m=28
